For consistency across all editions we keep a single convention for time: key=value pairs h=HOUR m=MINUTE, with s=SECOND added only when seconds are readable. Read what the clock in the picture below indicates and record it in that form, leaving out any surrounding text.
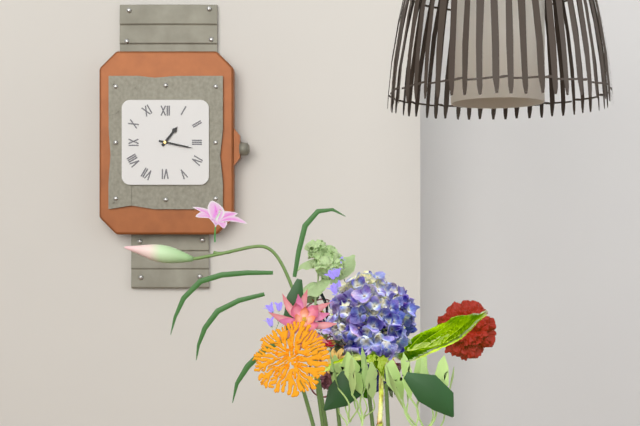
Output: h=1 m=17
